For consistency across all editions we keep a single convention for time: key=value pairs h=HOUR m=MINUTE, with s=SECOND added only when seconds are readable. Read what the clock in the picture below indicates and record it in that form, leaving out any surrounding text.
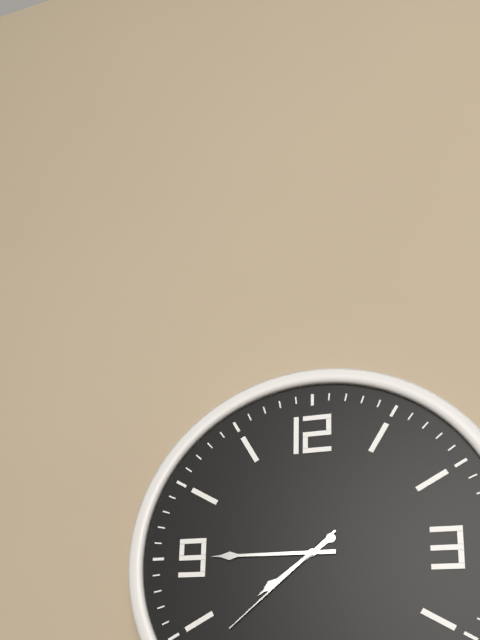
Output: h=7 m=45 s=38
